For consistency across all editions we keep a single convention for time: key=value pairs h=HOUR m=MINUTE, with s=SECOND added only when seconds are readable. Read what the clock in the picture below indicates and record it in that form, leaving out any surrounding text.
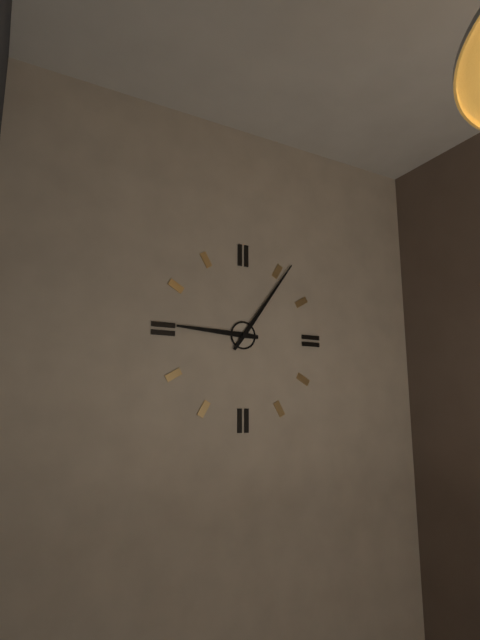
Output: h=9 m=6
